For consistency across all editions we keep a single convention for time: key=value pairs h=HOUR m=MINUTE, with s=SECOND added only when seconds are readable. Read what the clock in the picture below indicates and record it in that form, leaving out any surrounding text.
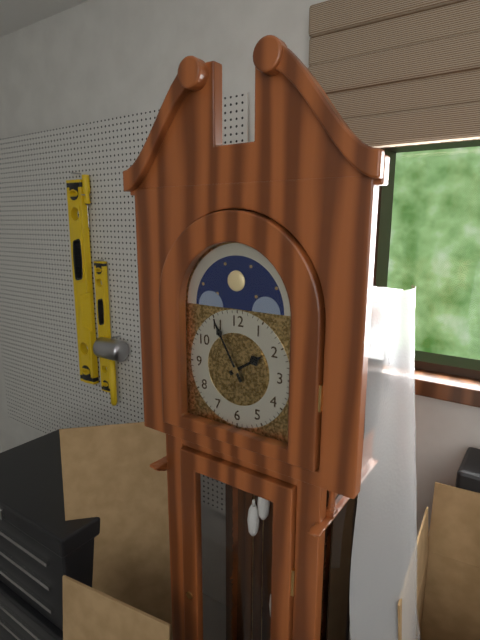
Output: h=1 m=55
